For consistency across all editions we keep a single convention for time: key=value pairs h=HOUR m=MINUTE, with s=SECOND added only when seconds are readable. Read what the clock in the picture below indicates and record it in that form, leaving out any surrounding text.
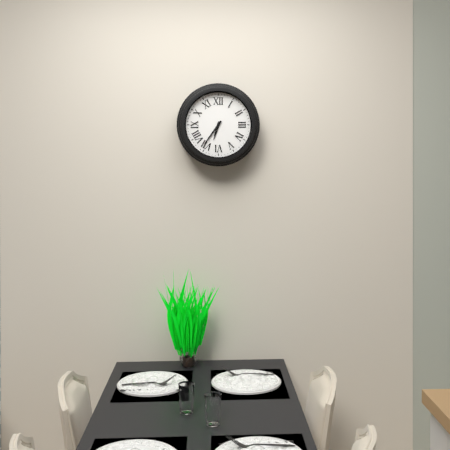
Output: h=6 m=36
